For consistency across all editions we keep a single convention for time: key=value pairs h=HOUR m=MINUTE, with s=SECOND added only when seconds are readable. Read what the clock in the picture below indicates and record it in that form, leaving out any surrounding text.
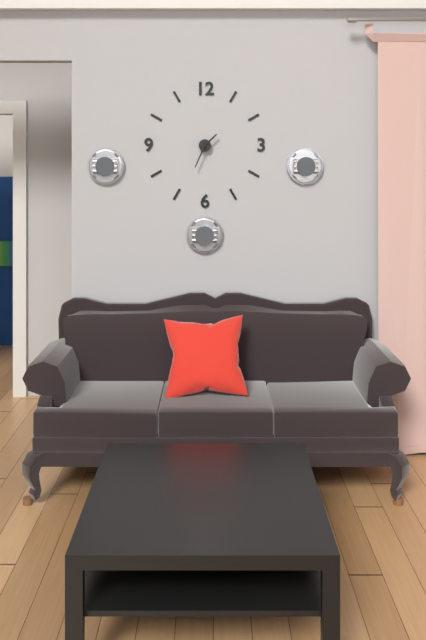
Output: h=1 m=34
